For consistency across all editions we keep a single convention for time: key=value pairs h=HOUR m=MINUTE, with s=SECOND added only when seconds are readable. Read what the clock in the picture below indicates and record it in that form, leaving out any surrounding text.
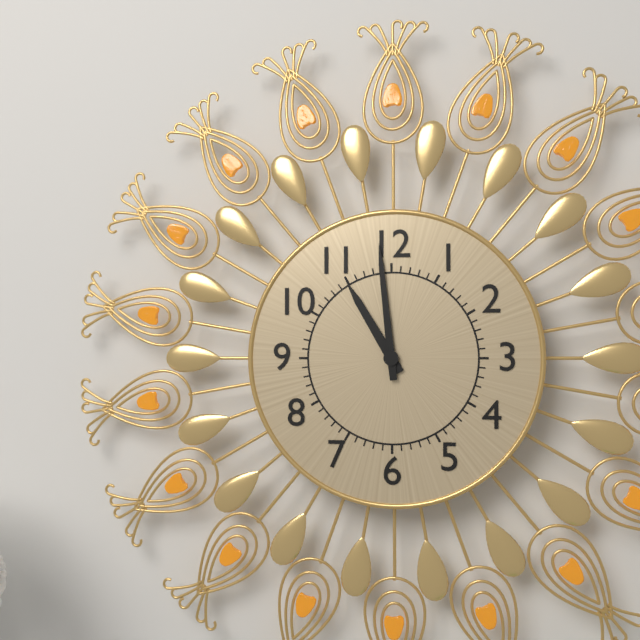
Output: h=10 m=59
